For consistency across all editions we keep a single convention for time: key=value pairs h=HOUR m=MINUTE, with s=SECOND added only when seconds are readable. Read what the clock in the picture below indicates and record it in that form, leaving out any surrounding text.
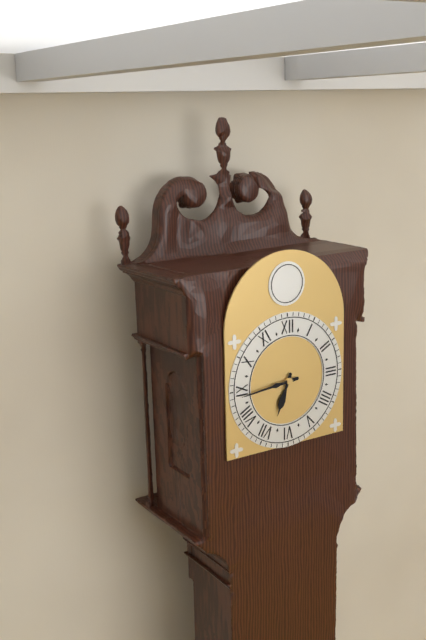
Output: h=6 m=44
